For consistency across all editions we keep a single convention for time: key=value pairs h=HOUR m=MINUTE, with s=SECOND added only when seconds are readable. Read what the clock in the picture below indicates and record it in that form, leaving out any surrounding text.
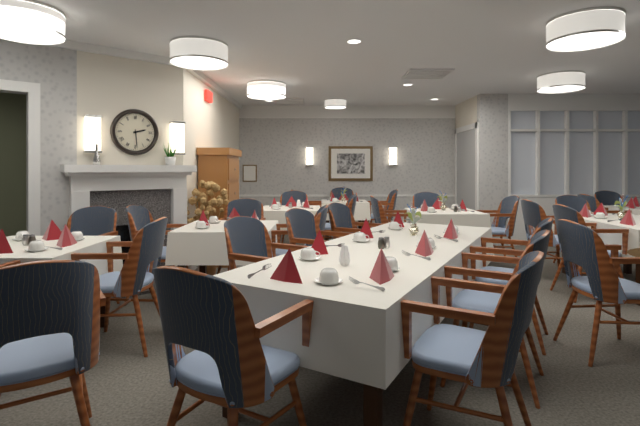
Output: h=2 m=29
